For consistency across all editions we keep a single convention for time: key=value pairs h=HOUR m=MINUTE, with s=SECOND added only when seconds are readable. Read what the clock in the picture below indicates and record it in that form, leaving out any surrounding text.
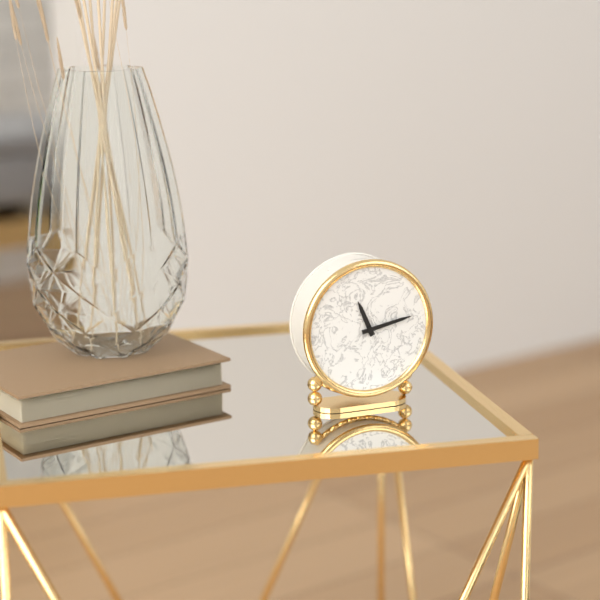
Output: h=11 m=13
